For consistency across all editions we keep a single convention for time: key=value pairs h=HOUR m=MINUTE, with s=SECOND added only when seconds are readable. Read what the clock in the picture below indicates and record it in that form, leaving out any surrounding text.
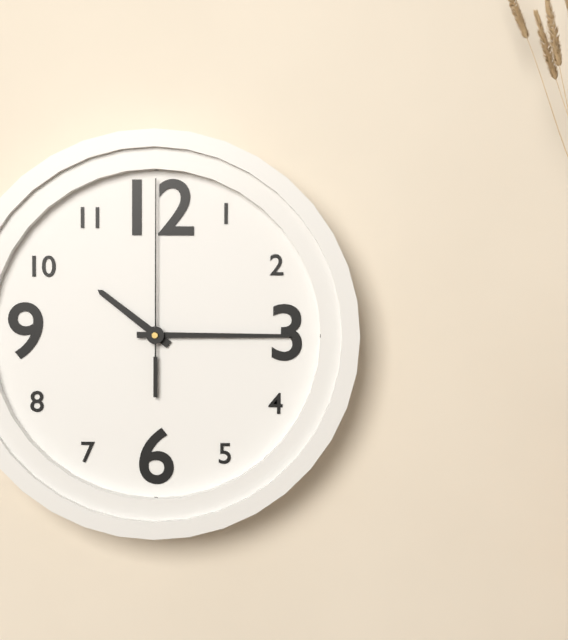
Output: h=10 m=15 s=0
